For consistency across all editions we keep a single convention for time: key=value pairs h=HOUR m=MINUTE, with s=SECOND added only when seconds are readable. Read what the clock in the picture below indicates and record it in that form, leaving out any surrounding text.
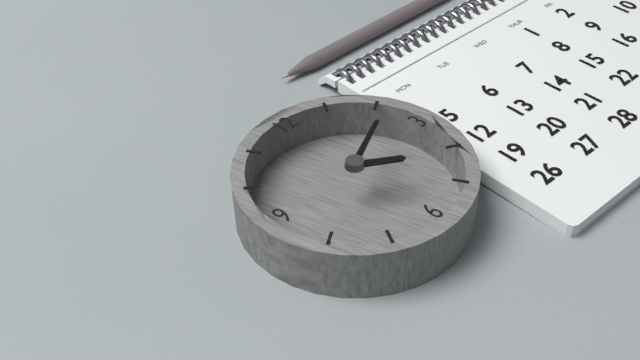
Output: h=4 m=11
